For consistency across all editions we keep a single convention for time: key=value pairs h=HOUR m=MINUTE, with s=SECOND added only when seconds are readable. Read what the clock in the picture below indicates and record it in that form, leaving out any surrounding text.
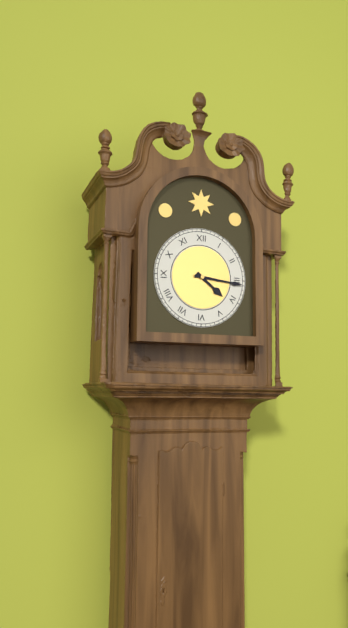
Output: h=4 m=16
